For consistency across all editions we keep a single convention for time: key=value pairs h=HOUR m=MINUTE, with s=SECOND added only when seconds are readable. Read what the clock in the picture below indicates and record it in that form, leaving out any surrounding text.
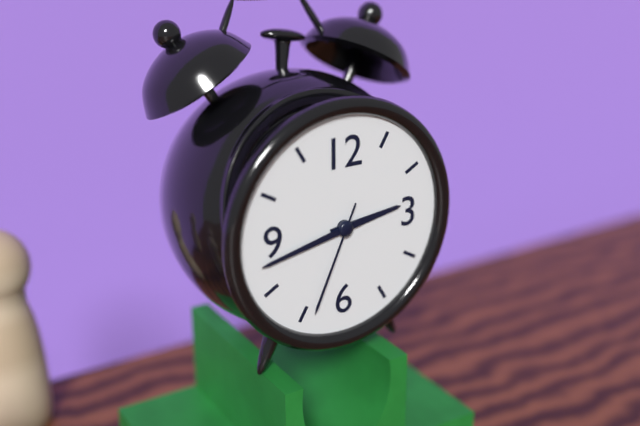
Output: h=2 m=43 s=34
